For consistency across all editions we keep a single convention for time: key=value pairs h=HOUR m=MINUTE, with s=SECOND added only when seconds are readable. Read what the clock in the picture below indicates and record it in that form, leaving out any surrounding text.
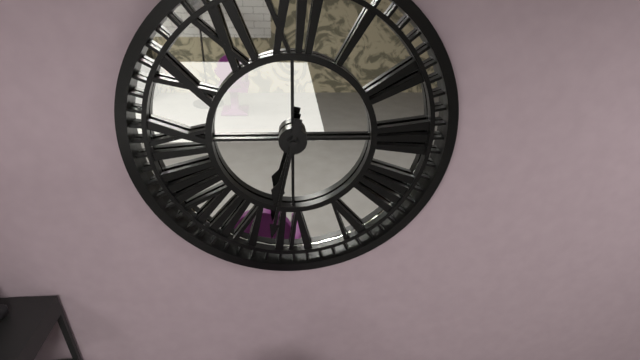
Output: h=6 m=32
